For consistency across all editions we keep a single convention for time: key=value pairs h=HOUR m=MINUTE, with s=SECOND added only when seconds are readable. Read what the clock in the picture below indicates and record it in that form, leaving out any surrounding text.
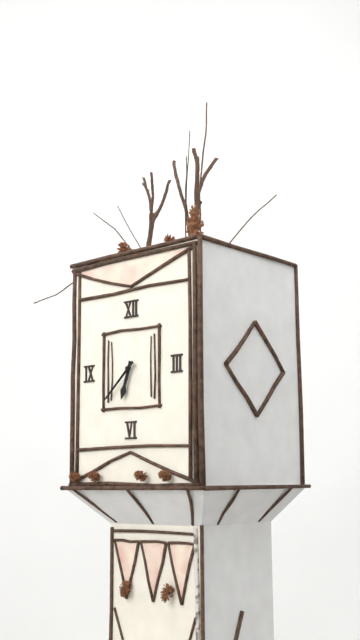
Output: h=6 m=38
